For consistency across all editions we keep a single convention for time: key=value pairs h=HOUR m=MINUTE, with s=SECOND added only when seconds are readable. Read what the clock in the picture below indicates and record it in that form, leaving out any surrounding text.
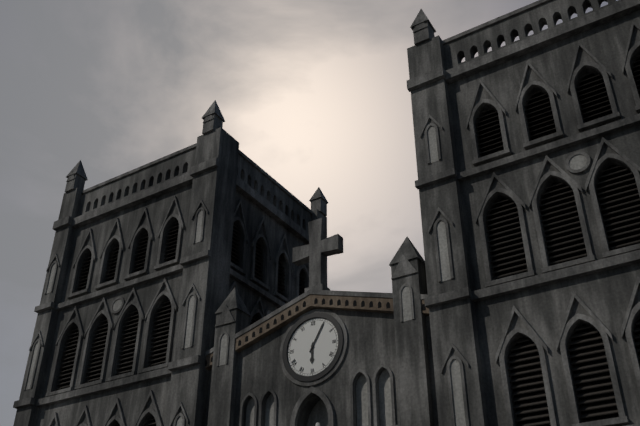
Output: h=6 m=5
